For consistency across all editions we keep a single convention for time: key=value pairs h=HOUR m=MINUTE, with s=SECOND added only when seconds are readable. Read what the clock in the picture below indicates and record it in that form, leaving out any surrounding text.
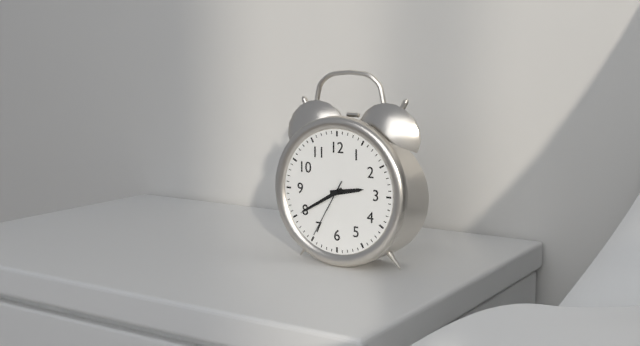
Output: h=2 m=40 s=35
